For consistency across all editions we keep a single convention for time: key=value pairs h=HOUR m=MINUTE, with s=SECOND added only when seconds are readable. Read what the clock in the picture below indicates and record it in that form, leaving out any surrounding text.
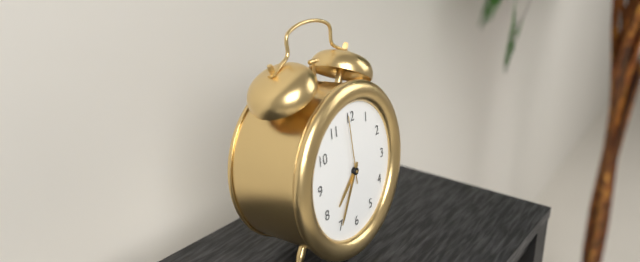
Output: h=7 m=35 s=59
